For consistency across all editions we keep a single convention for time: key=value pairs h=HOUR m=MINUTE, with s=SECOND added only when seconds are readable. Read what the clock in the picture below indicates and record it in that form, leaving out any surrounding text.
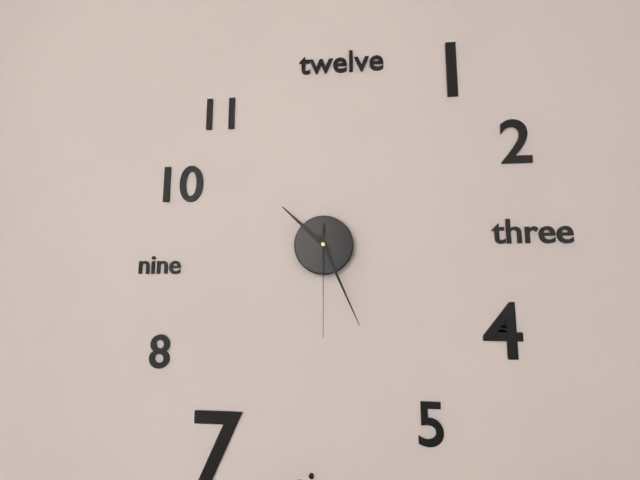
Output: h=10 m=26 s=30
